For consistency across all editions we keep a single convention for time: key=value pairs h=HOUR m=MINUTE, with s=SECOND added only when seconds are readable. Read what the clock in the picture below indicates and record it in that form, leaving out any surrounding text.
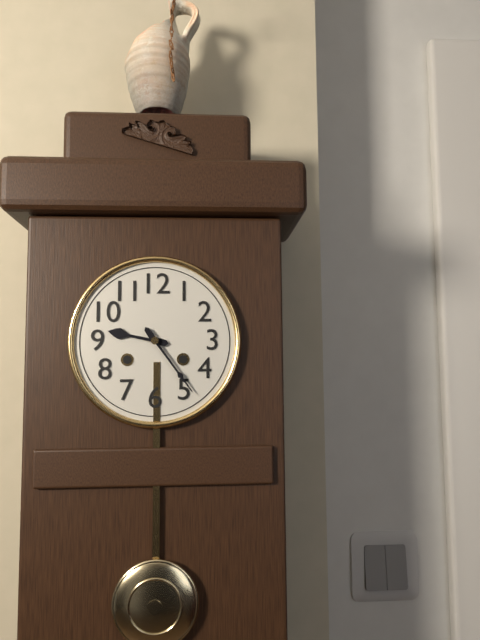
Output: h=9 m=24
